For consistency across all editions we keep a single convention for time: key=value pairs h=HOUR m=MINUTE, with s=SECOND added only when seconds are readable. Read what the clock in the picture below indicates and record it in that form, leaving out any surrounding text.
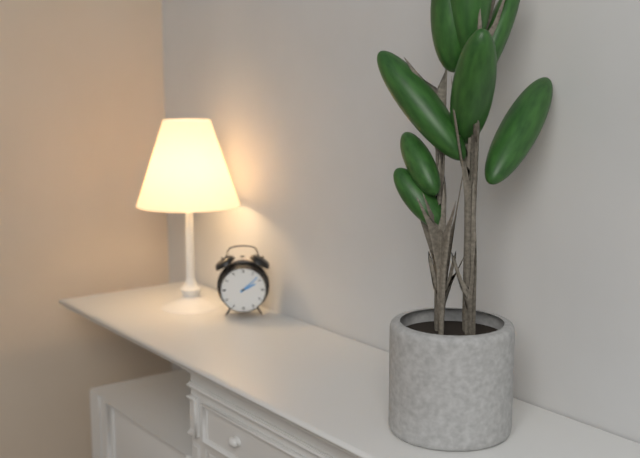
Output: h=2 m=8
